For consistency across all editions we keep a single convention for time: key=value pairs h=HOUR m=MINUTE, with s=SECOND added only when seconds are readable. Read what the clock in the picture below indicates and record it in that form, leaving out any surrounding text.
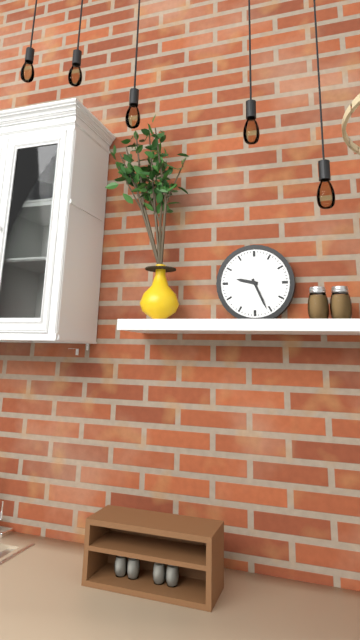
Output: h=9 m=26
